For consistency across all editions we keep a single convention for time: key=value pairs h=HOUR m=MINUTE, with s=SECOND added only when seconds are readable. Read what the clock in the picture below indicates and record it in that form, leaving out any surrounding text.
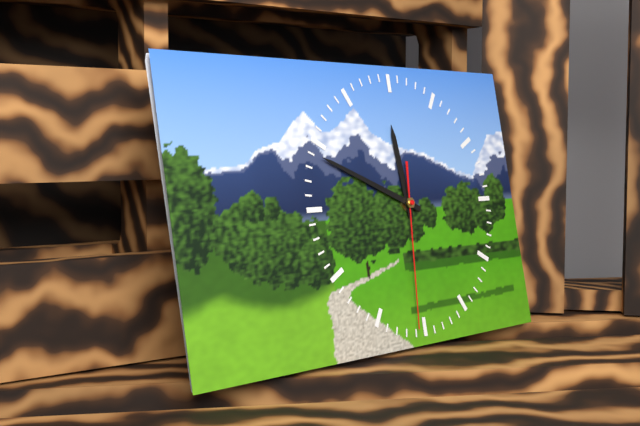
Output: h=11 m=49 s=31
